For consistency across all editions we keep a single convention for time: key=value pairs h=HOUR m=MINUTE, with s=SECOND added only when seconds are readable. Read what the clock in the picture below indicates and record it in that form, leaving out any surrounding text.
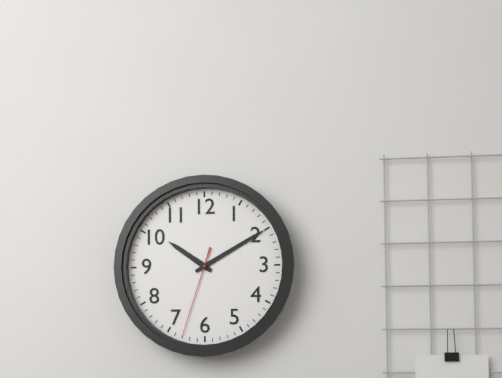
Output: h=10 m=10 s=33
